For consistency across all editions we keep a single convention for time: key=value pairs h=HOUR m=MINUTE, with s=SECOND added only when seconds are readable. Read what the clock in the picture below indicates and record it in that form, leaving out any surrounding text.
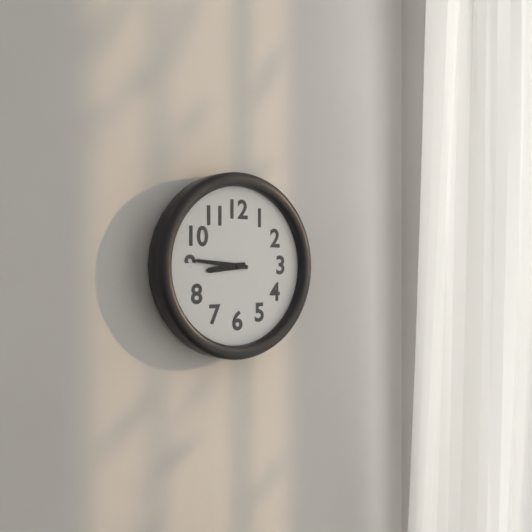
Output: h=8 m=46
